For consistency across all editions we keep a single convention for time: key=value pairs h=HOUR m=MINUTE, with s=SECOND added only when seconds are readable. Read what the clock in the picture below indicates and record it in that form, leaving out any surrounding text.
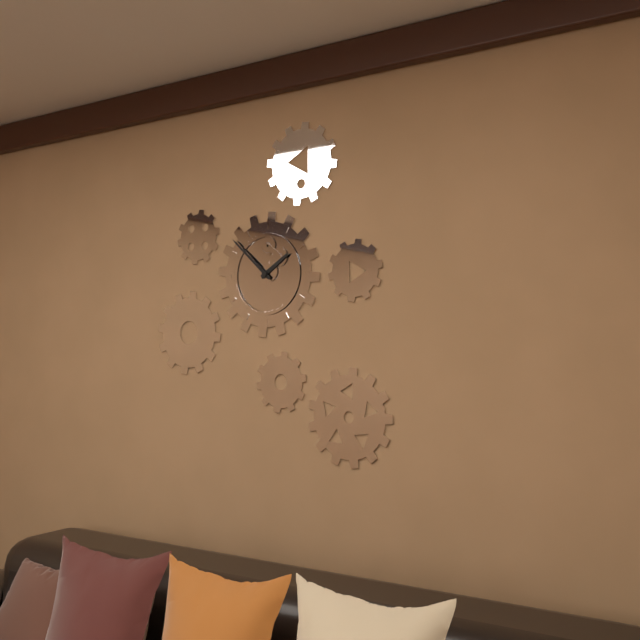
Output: h=1 m=52
